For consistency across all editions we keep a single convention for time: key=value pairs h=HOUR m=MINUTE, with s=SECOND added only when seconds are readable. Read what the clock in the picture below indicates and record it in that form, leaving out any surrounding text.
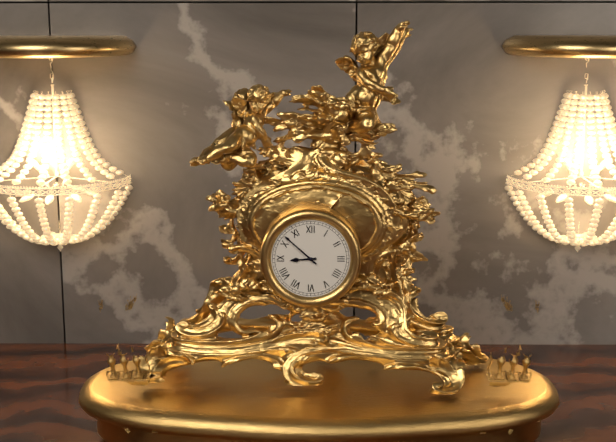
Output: h=8 m=52
